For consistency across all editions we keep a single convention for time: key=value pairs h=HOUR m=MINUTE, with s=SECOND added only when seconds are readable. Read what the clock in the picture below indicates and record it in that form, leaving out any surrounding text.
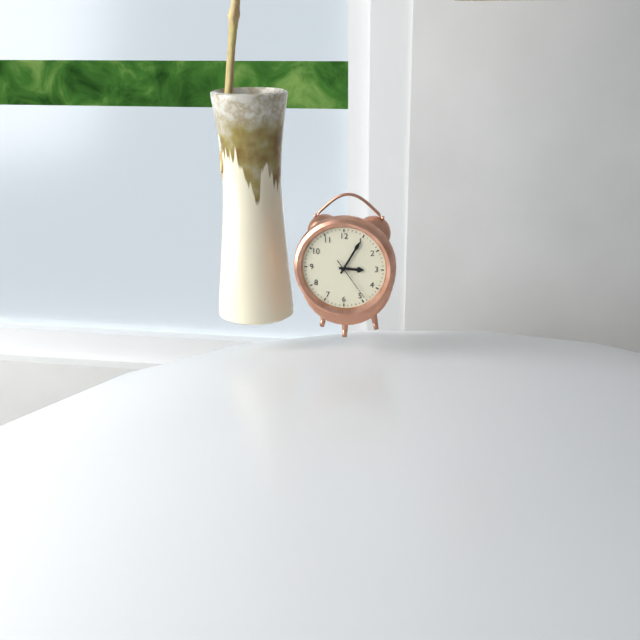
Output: h=3 m=5
